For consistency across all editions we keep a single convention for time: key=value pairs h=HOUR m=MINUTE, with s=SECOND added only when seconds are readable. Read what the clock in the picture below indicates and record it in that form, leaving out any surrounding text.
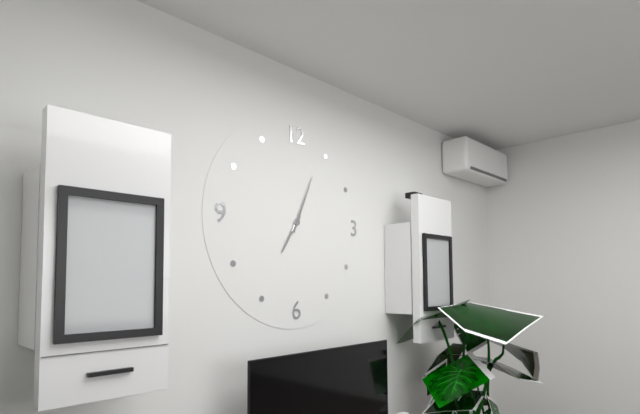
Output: h=7 m=4
